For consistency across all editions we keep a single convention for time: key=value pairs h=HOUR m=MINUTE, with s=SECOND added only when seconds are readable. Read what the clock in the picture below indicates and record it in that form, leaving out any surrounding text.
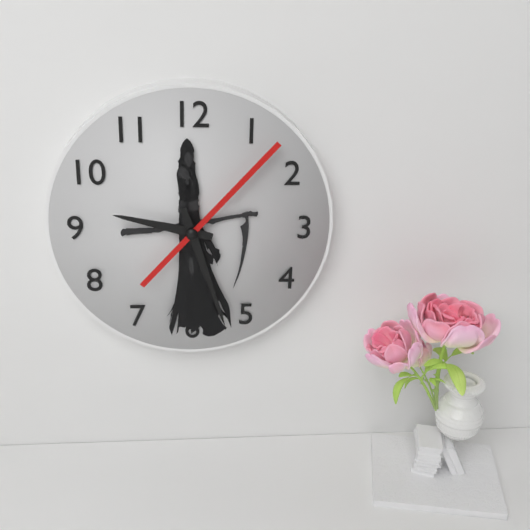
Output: h=9 m=27 s=7
